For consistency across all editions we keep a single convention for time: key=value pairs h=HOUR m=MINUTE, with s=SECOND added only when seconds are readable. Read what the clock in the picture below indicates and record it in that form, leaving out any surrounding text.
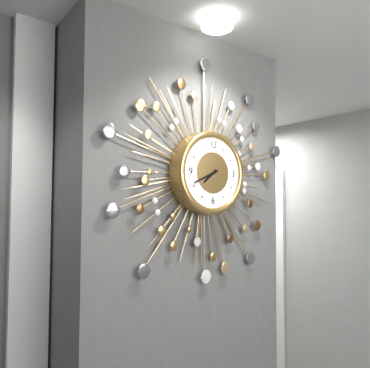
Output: h=7 m=41
